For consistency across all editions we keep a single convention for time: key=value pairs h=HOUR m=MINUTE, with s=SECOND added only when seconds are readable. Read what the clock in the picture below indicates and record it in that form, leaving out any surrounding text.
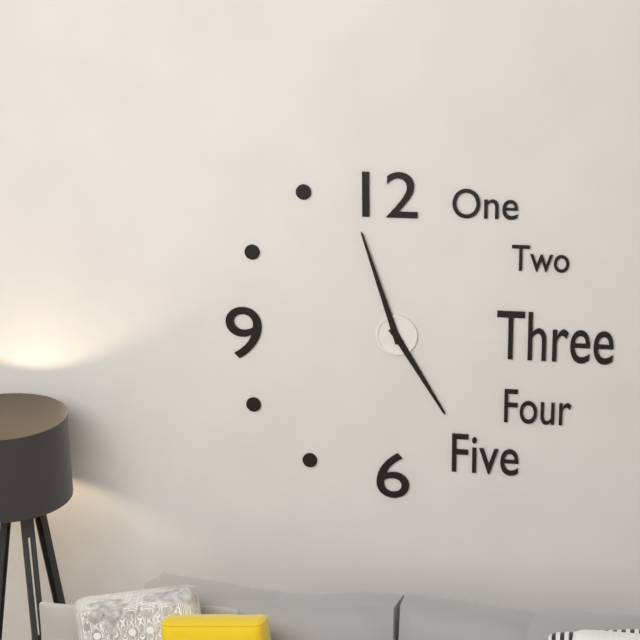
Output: h=4 m=57
